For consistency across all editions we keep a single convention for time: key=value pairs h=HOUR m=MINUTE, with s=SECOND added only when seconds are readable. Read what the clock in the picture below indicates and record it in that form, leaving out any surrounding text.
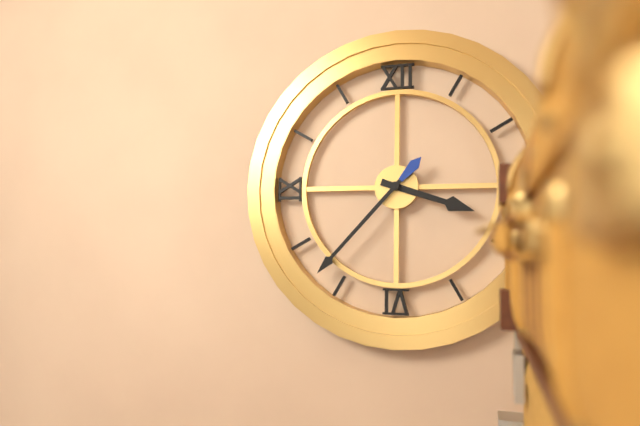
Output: h=3 m=37
